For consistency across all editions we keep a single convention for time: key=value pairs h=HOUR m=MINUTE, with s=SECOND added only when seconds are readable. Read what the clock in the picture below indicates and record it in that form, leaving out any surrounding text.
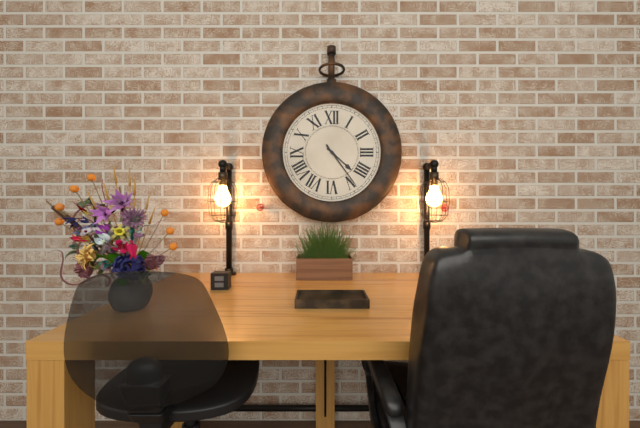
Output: h=4 m=24
